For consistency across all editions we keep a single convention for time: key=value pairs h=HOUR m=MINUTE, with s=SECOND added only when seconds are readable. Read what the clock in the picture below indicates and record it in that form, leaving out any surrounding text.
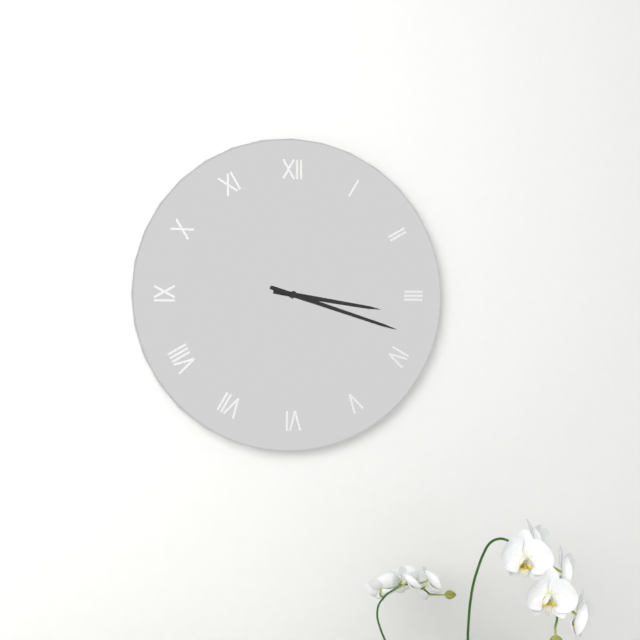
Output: h=3 m=18
